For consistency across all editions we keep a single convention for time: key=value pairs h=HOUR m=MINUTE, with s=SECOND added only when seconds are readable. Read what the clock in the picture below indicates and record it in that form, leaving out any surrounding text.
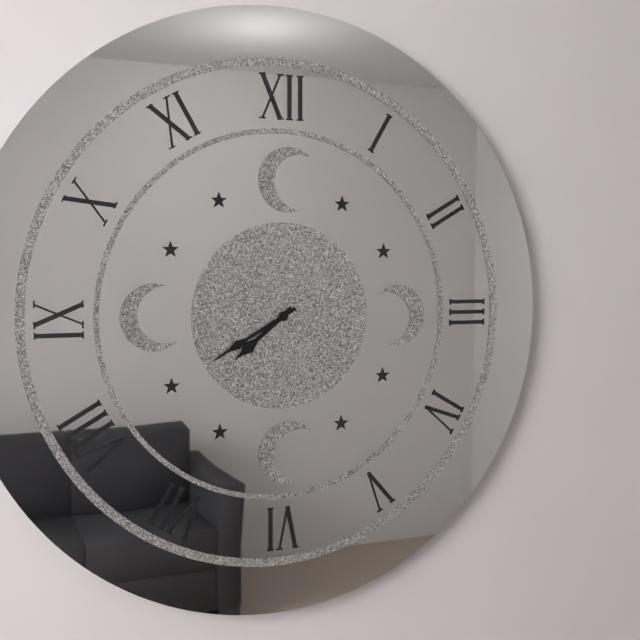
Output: h=7 m=40
